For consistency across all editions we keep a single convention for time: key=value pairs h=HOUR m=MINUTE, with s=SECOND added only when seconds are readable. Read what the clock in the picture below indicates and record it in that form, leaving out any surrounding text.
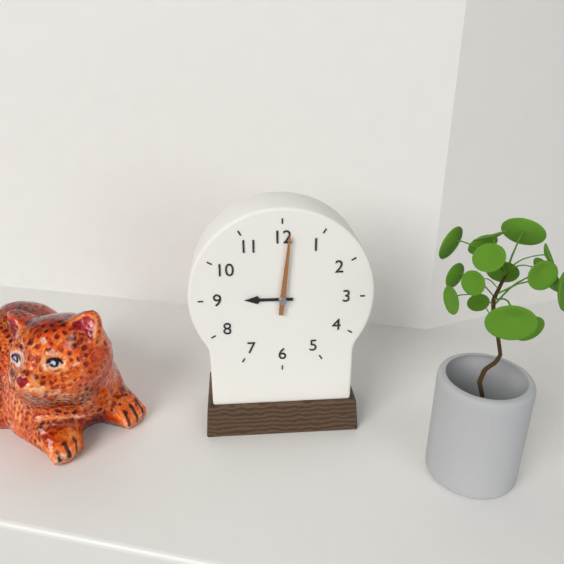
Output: h=9 m=1
